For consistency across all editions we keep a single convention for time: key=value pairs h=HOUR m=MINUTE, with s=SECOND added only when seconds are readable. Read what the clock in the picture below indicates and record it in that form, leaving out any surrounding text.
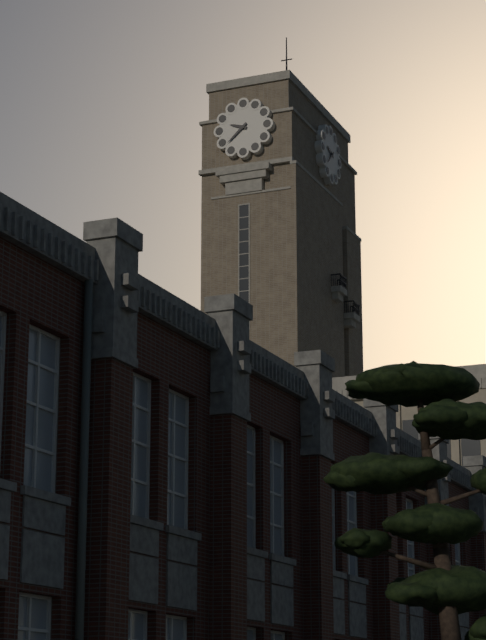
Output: h=9 m=38
